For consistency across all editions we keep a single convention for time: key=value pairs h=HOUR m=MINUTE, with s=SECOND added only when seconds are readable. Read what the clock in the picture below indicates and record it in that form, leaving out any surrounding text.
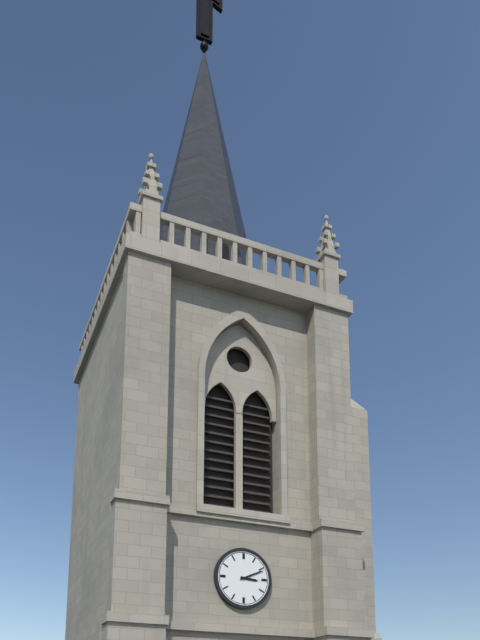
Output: h=3 m=11
